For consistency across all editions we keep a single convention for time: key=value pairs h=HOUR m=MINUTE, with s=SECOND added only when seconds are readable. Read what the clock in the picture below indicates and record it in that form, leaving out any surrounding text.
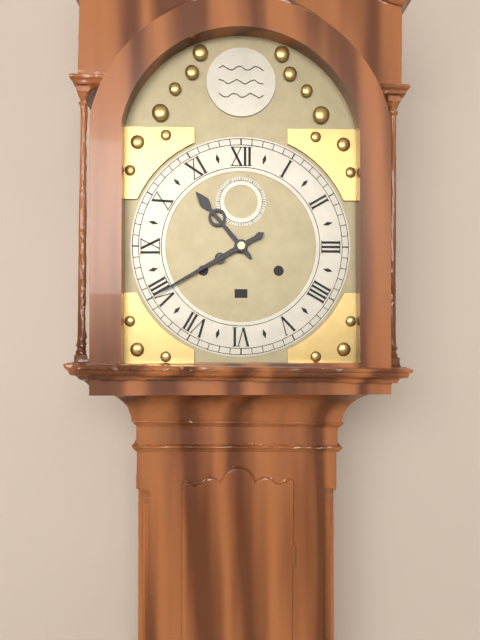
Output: h=10 m=40
